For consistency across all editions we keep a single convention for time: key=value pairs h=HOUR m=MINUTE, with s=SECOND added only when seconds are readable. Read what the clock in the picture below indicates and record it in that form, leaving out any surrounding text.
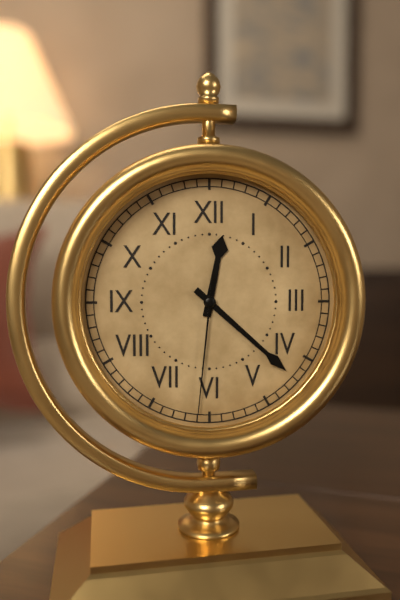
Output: h=12 m=22 s=31
